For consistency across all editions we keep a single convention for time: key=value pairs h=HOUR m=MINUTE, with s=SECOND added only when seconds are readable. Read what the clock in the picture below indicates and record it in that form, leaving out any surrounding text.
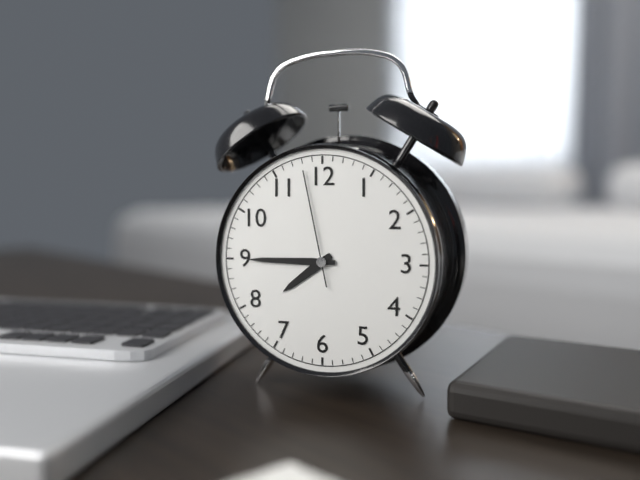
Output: h=7 m=45 s=58
